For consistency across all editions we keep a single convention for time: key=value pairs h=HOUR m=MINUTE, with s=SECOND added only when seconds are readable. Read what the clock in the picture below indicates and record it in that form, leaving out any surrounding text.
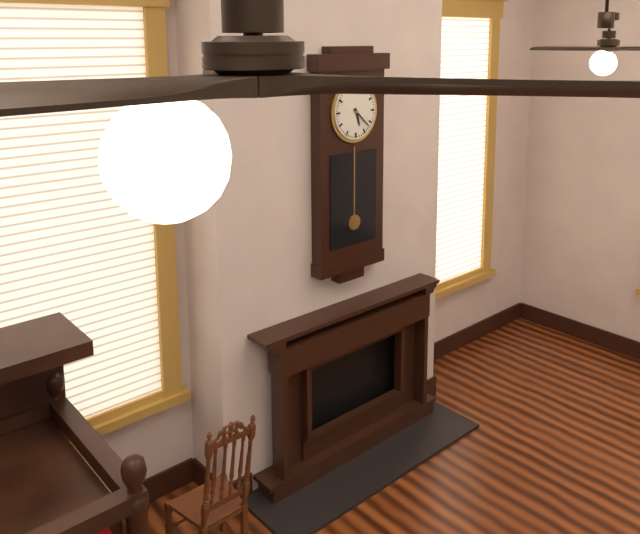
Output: h=5 m=22
